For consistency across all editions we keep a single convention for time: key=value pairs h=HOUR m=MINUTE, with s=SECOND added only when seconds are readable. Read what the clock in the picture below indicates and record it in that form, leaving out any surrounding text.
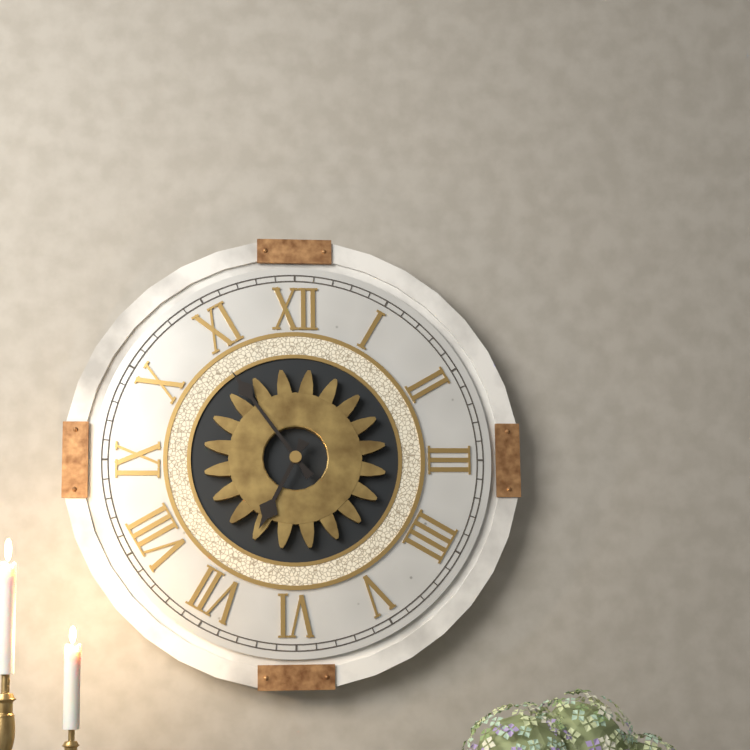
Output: h=6 m=54
